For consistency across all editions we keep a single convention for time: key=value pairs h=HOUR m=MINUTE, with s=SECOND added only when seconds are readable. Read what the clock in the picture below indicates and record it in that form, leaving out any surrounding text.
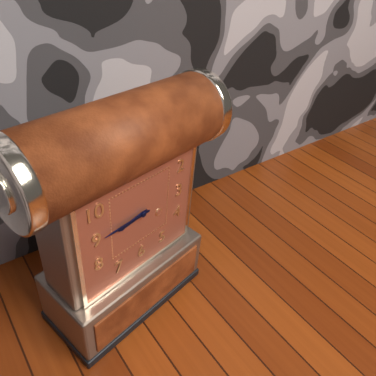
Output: h=8 m=45
